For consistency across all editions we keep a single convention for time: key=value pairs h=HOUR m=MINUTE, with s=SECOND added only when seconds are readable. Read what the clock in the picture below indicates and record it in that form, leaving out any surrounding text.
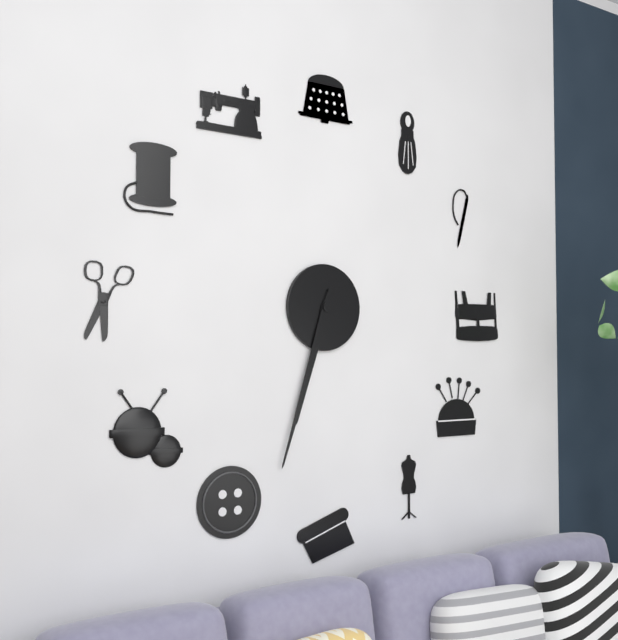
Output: h=6 m=33
